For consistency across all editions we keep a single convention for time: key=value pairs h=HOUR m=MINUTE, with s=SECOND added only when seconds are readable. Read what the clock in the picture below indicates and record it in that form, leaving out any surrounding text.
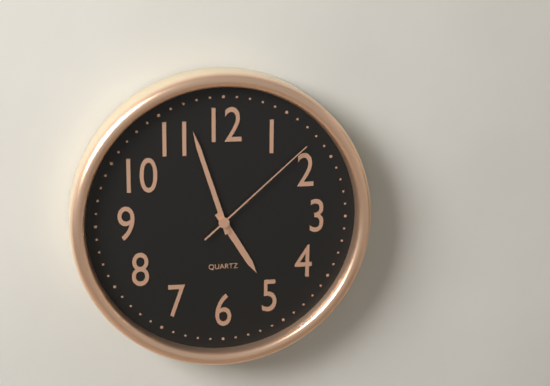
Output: h=4 m=57 s=8
